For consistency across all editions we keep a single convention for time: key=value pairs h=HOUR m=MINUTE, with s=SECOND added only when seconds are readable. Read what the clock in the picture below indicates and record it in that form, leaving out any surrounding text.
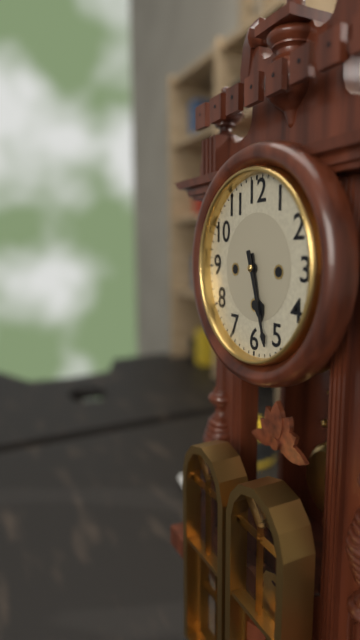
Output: h=5 m=27
